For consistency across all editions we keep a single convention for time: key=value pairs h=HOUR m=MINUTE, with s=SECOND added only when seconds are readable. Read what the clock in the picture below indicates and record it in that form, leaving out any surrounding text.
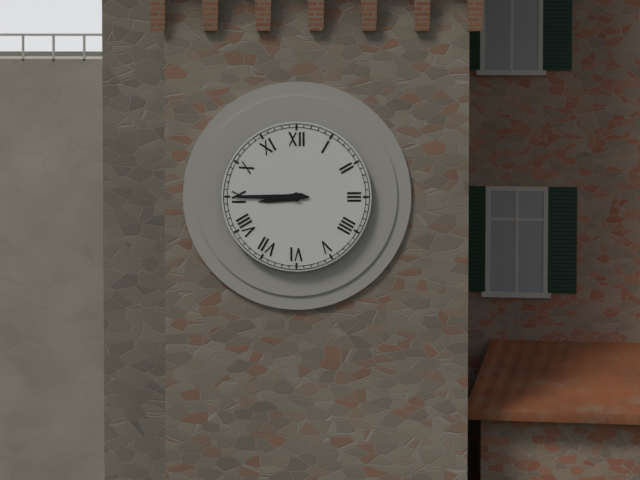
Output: h=8 m=45
